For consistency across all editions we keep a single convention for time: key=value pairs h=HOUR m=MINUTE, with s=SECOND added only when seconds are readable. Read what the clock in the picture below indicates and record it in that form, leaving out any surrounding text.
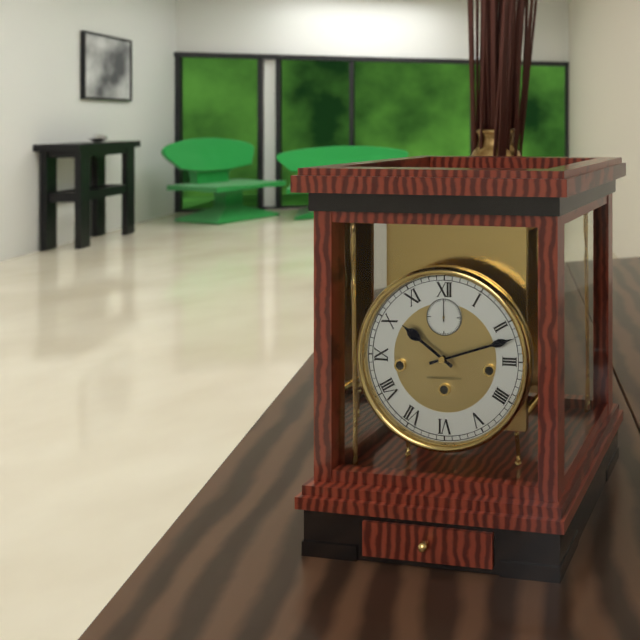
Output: h=10 m=12
